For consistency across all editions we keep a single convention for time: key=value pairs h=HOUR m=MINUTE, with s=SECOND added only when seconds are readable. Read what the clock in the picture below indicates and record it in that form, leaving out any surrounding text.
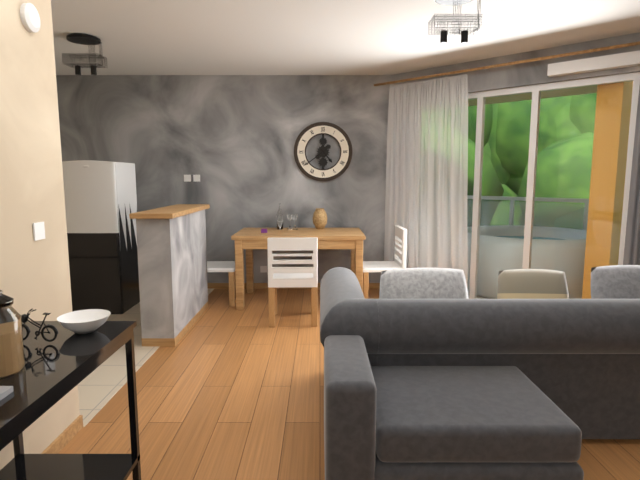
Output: h=4 m=39
